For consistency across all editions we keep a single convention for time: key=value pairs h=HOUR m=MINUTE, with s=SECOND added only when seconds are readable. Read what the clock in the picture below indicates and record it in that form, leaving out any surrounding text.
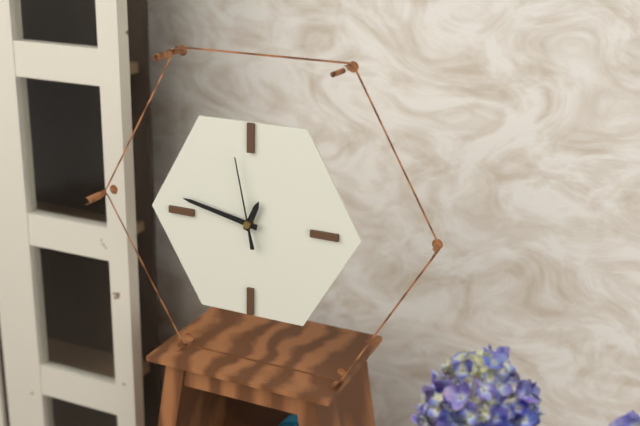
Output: h=12 m=47 s=58
